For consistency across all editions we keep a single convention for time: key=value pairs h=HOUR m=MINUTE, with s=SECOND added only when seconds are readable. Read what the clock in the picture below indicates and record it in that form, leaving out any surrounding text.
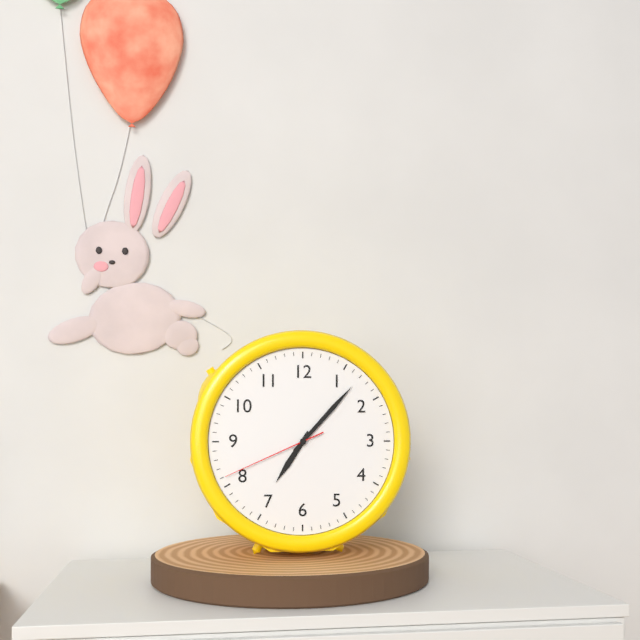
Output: h=7 m=7 s=41
